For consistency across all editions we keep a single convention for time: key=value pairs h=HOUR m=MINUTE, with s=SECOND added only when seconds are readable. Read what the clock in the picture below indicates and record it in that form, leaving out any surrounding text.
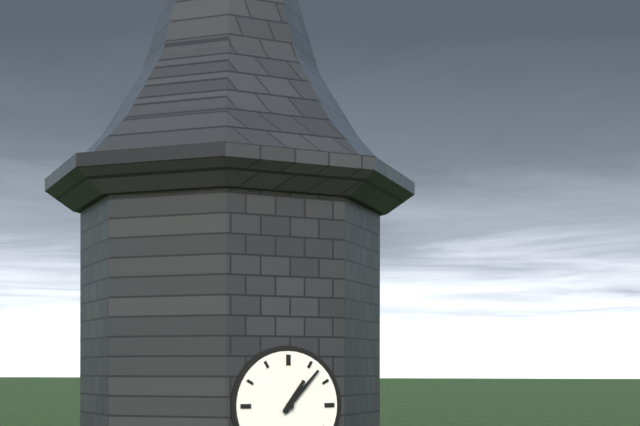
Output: h=1 m=7
